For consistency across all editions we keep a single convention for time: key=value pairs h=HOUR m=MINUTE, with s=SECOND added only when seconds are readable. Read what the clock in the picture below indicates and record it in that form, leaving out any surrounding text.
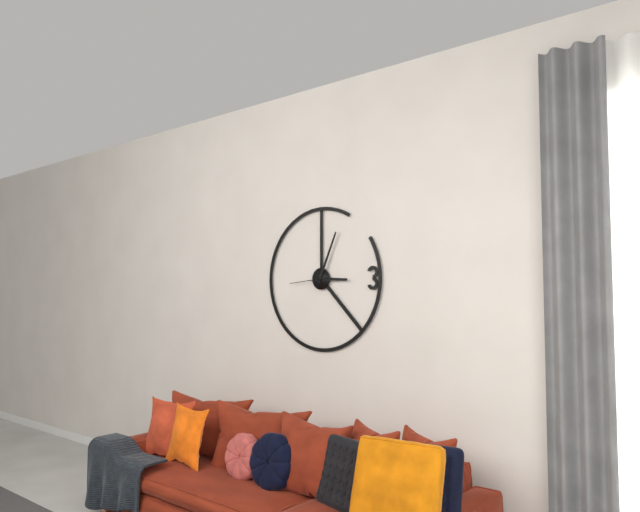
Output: h=3 m=4
